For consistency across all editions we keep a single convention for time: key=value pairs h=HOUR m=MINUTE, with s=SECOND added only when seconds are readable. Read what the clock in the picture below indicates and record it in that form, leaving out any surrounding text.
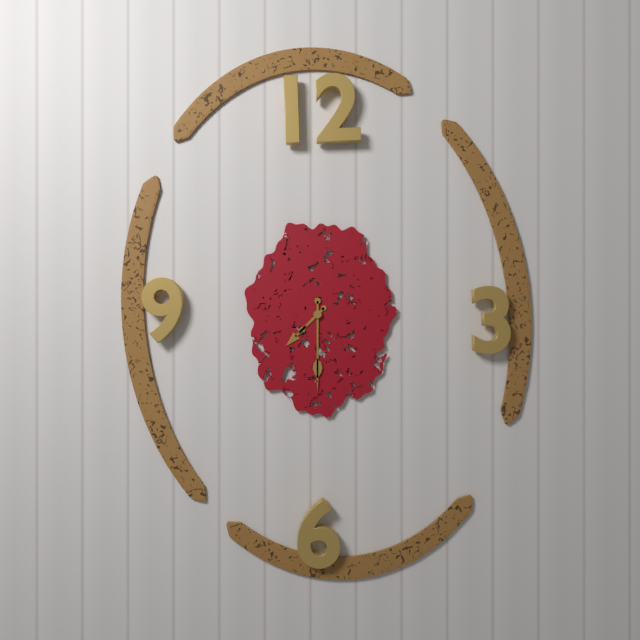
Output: h=7 m=30
